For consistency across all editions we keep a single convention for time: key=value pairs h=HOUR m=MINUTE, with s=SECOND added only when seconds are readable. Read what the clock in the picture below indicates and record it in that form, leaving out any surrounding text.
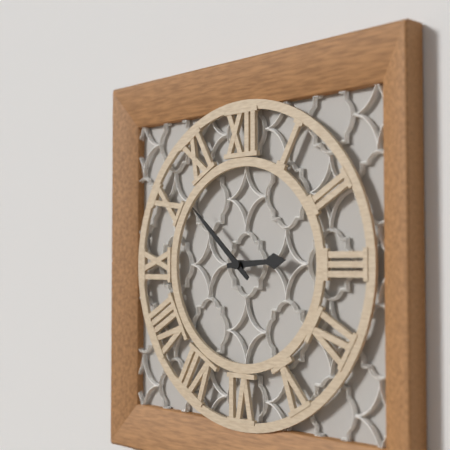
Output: h=2 m=52
